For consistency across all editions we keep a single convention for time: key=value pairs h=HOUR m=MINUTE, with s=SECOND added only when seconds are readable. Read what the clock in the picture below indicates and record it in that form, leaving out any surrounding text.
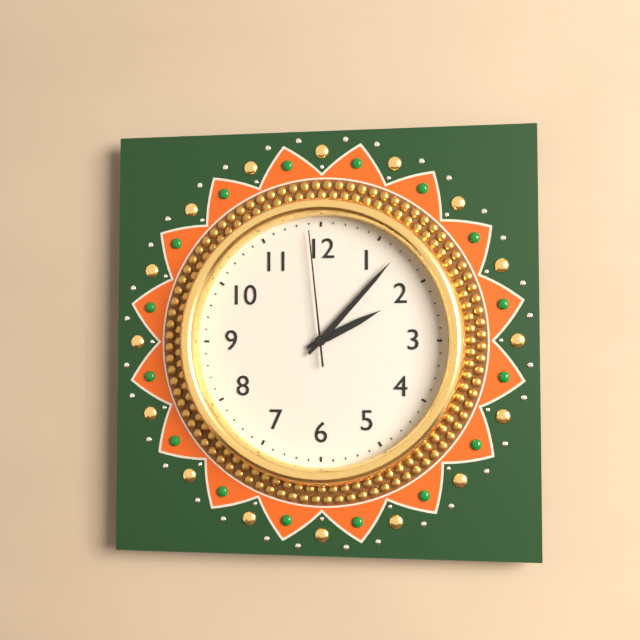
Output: h=2 m=7 s=59
